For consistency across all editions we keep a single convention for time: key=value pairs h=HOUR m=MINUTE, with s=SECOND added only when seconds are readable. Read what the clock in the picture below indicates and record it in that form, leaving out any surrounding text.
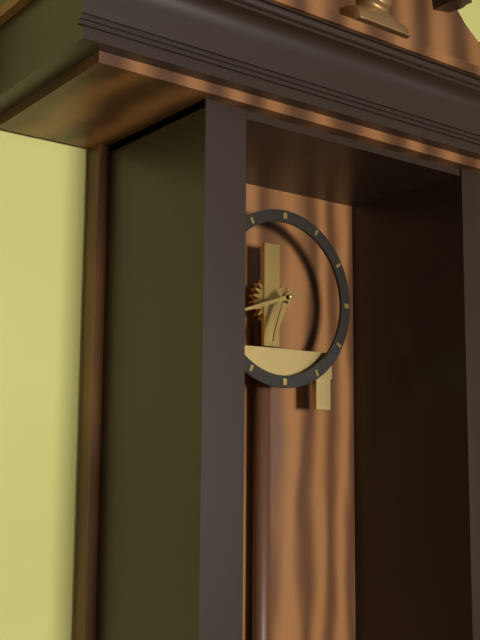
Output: h=6 m=42
